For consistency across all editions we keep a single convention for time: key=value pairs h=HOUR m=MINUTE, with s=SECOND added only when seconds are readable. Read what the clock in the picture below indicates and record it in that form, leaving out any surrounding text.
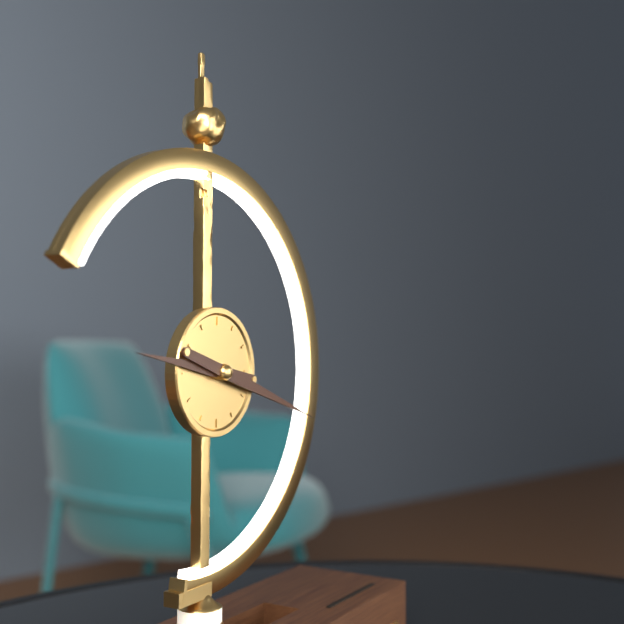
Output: h=9 m=18
